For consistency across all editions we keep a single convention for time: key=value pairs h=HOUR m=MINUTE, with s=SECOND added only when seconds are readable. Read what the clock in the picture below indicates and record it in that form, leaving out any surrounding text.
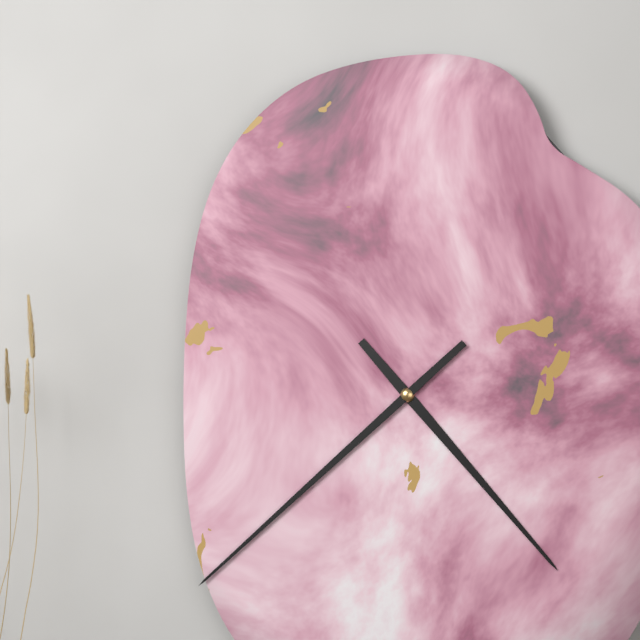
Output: h=4 m=38
